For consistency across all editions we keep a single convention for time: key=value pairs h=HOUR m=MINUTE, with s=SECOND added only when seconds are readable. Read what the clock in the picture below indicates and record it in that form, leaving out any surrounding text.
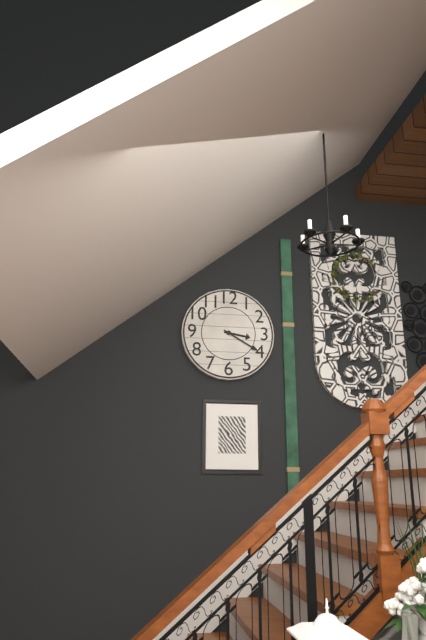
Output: h=3 m=20
